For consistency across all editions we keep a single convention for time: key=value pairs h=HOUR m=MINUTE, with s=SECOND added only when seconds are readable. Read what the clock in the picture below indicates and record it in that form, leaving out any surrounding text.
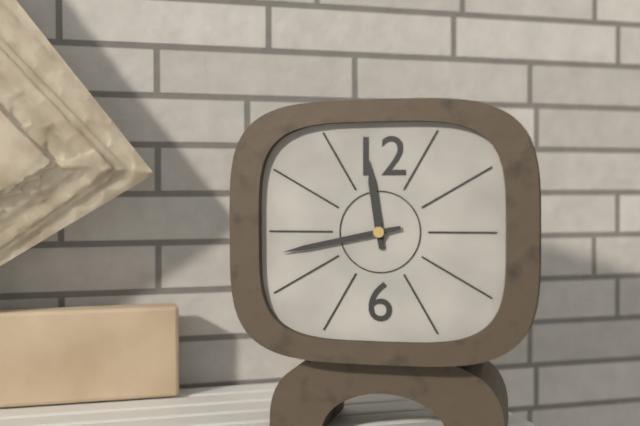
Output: h=11 m=43
